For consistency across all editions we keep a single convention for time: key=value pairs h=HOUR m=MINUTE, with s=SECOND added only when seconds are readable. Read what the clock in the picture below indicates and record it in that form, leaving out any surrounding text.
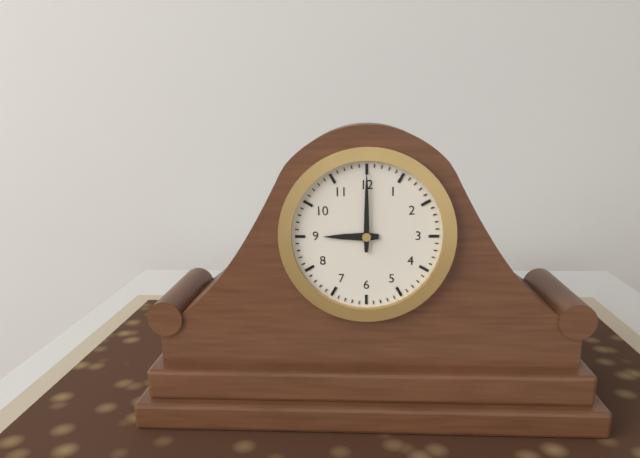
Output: h=9 m=0
